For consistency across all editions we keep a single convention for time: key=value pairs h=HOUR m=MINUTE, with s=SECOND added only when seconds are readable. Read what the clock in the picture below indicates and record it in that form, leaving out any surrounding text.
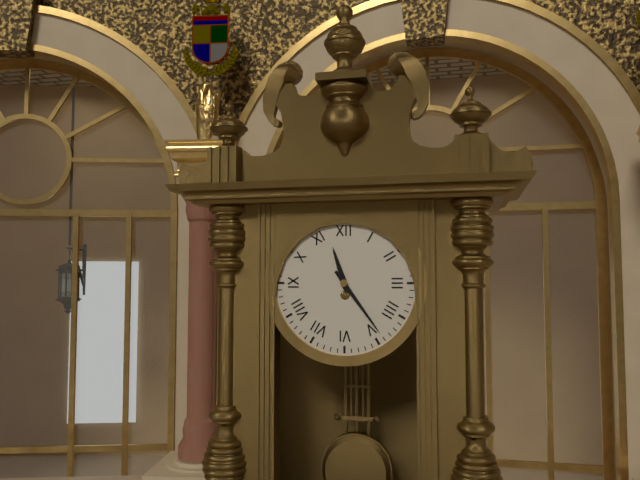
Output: h=11 m=24
